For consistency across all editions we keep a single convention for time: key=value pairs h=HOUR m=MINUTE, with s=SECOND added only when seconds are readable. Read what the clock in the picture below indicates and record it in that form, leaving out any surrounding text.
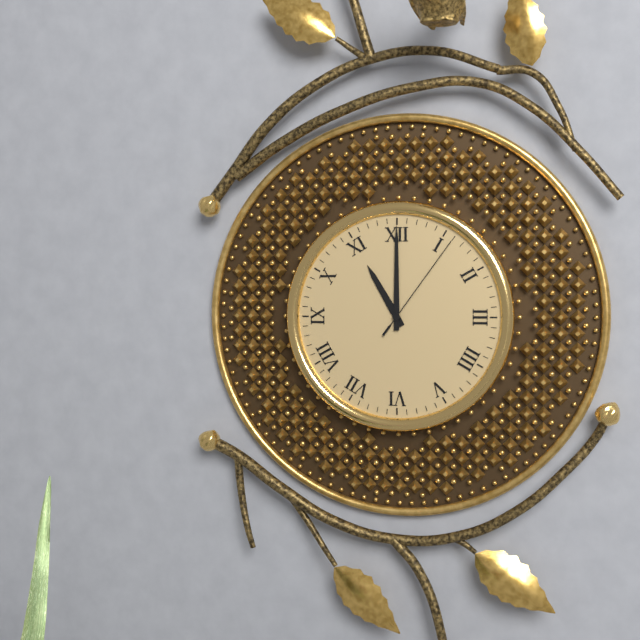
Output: h=11 m=0 s=6
